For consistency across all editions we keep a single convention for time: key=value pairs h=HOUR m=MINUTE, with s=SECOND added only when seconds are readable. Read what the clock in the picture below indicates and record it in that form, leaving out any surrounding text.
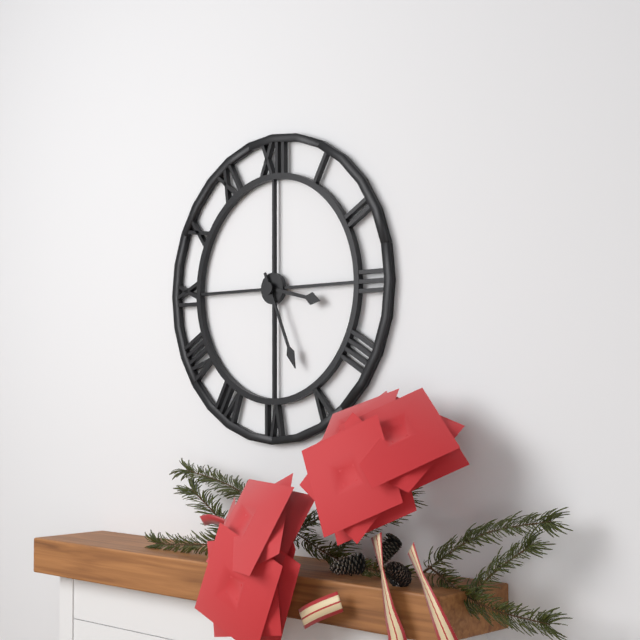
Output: h=3 m=26
